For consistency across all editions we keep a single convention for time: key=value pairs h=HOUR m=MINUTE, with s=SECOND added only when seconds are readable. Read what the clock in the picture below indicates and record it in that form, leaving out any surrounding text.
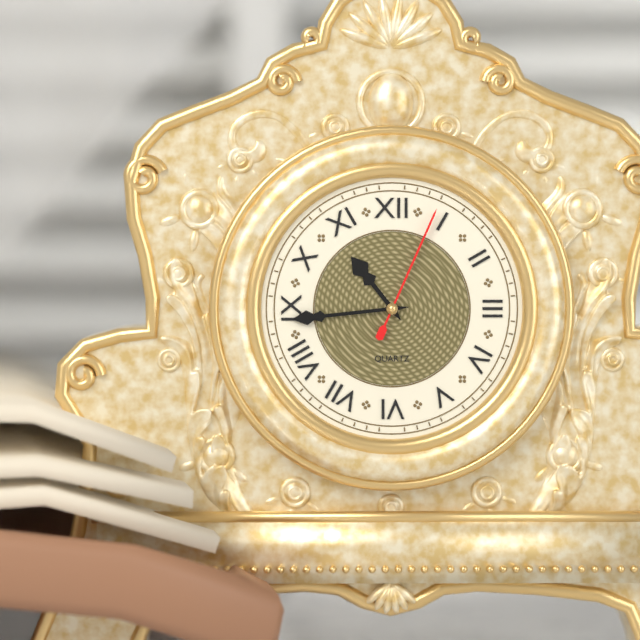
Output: h=10 m=44 s=4
